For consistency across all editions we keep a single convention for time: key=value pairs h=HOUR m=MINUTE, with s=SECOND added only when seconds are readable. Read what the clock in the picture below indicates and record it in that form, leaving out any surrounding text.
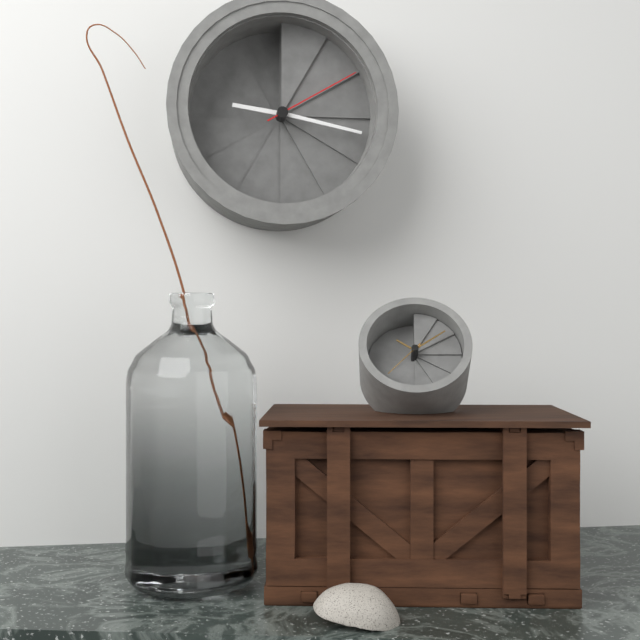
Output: h=9 m=17 s=10
